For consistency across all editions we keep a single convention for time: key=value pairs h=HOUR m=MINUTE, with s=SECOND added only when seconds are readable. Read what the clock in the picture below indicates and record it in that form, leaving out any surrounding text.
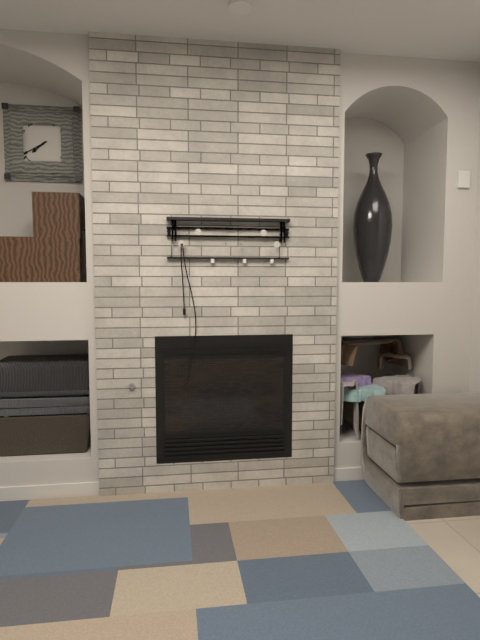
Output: h=7 m=40
